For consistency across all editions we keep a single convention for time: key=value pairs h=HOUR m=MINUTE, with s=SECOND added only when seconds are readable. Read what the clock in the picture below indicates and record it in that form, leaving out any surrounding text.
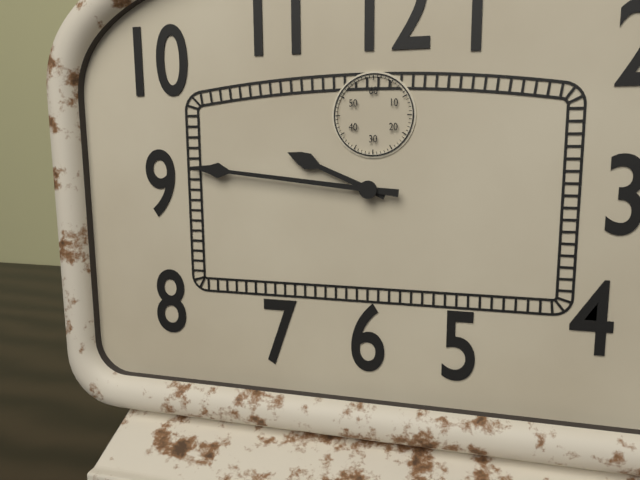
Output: h=9 m=46
